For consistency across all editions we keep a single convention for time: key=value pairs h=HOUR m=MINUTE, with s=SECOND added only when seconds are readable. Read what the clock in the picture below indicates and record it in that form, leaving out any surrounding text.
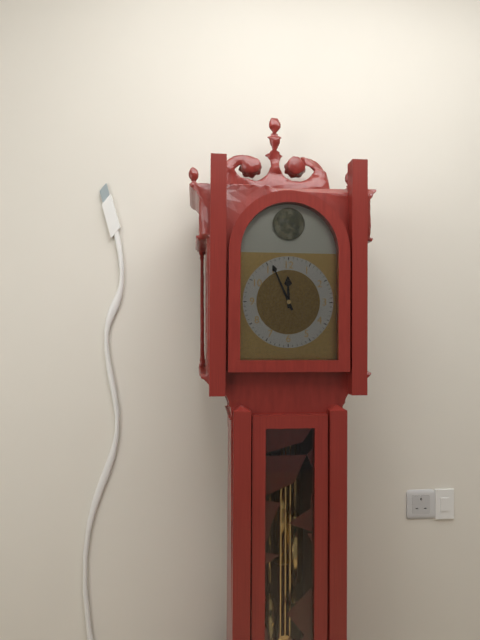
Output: h=11 m=56
